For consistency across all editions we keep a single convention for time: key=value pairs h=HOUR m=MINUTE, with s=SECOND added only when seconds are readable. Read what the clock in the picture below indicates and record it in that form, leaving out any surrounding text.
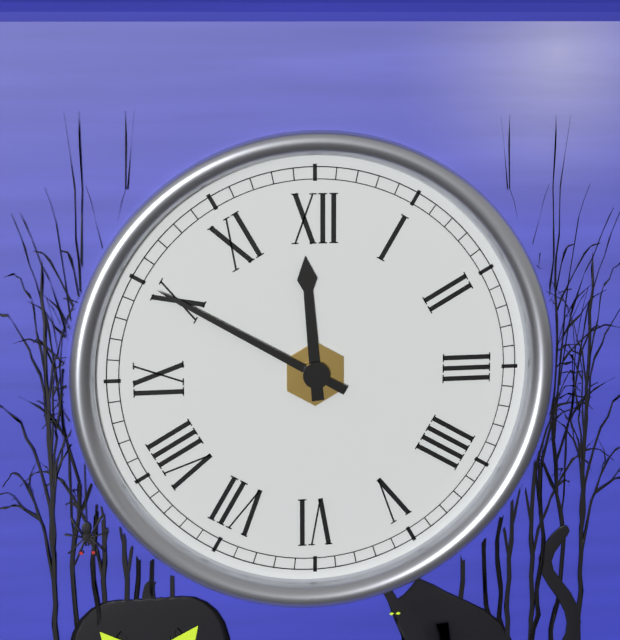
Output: h=11 m=50
